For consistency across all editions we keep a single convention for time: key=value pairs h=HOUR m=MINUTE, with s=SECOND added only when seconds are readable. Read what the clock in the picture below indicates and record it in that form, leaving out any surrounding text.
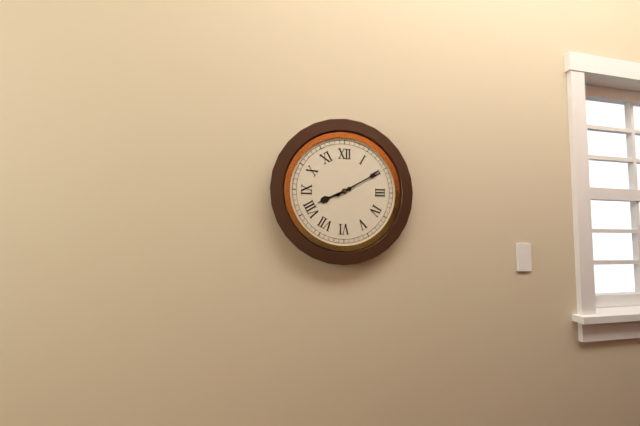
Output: h=8 m=10
